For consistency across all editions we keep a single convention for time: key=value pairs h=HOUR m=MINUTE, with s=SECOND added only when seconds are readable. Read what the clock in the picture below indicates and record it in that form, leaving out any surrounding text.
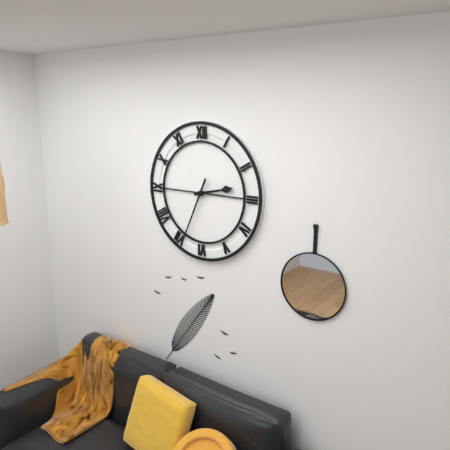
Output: h=2 m=34
